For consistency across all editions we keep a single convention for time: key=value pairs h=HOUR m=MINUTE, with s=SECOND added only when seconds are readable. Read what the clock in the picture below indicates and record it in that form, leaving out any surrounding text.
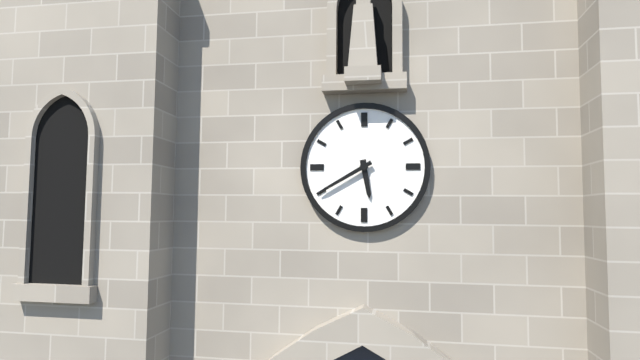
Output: h=5 m=40
